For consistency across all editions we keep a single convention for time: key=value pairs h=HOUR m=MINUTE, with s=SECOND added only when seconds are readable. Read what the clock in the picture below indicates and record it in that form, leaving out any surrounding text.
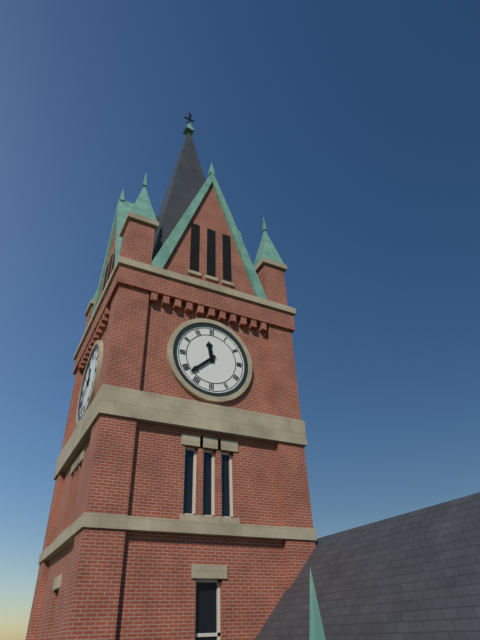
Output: h=11 m=38
